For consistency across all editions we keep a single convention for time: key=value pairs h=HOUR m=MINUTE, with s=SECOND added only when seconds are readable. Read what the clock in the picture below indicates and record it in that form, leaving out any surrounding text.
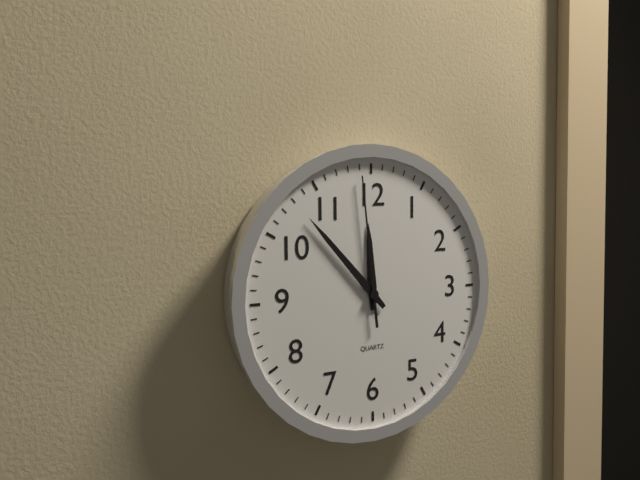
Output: h=11 m=53 s=59
